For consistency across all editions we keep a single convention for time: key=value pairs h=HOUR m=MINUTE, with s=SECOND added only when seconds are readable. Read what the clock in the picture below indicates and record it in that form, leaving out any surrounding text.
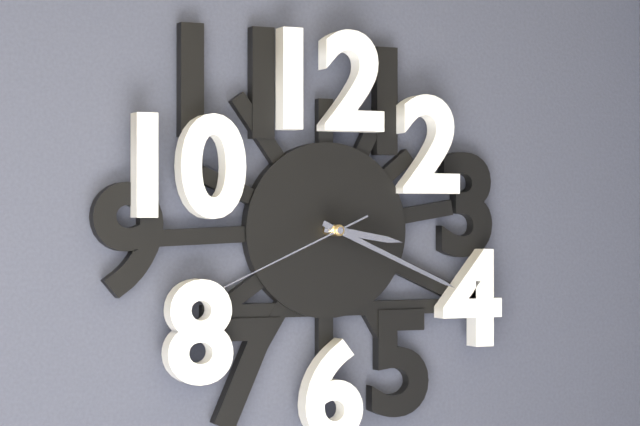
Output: h=3 m=19 s=41
